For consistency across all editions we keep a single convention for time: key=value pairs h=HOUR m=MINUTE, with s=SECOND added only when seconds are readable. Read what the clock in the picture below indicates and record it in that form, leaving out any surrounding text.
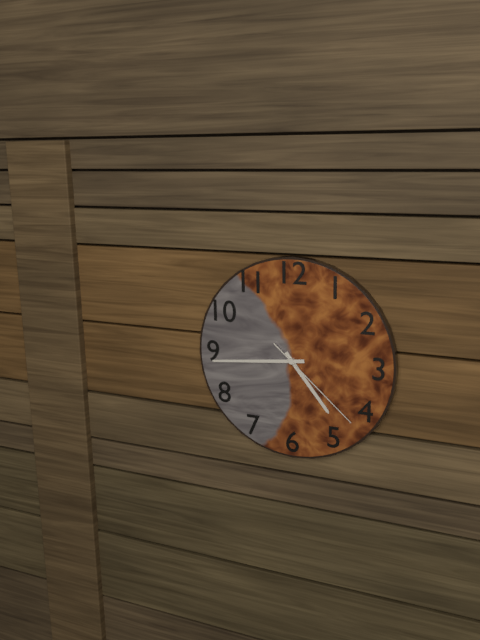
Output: h=4 m=44 s=22
